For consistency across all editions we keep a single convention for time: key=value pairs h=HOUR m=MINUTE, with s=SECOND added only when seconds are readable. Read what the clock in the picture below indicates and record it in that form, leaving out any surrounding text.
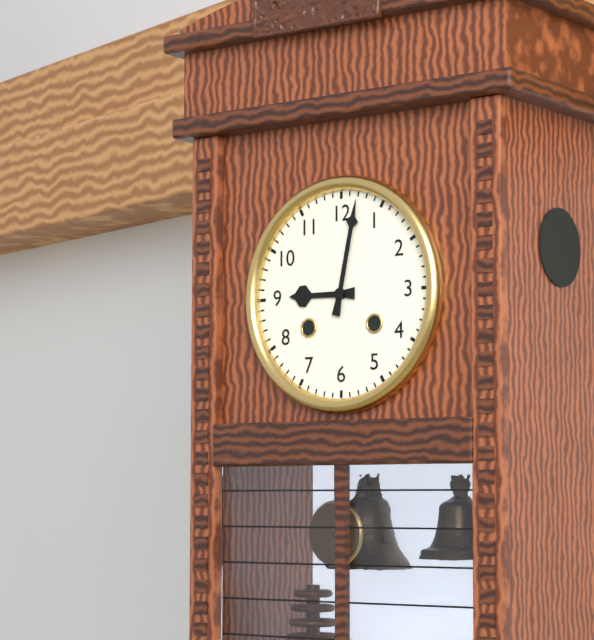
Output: h=9 m=2
